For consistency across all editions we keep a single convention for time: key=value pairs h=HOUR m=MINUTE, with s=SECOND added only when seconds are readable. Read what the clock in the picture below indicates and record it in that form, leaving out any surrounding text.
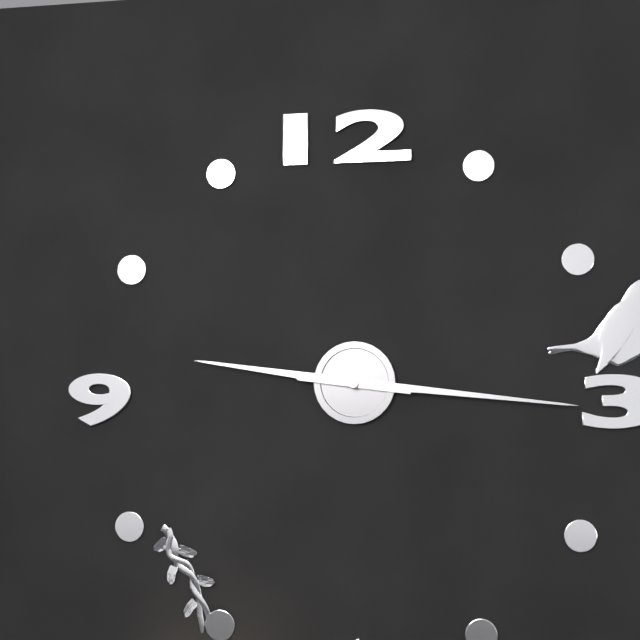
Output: h=9 m=16
